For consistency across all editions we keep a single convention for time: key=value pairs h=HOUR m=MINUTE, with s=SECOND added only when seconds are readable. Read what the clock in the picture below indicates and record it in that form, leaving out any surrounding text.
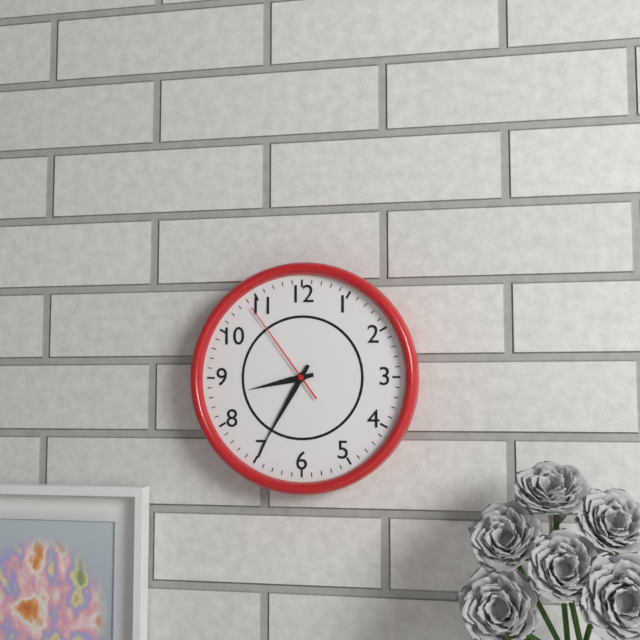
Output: h=8 m=35 s=54
